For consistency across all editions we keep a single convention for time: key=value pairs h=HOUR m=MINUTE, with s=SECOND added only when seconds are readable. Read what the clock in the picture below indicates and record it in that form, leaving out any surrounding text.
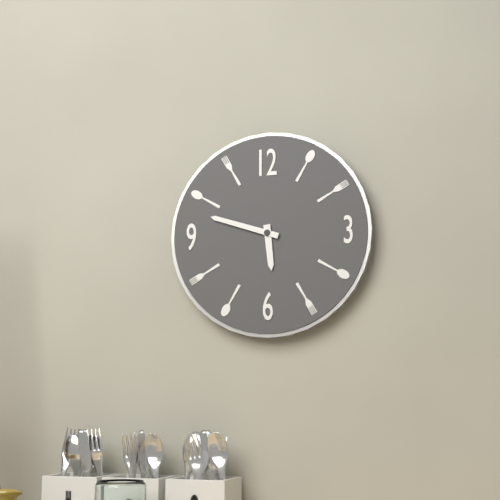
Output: h=5 m=48
